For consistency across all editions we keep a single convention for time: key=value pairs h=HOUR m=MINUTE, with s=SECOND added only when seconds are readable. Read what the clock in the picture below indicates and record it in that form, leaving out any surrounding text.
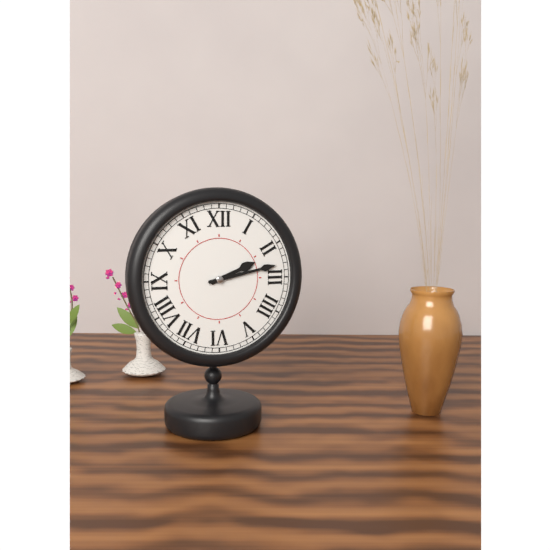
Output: h=2 m=13
